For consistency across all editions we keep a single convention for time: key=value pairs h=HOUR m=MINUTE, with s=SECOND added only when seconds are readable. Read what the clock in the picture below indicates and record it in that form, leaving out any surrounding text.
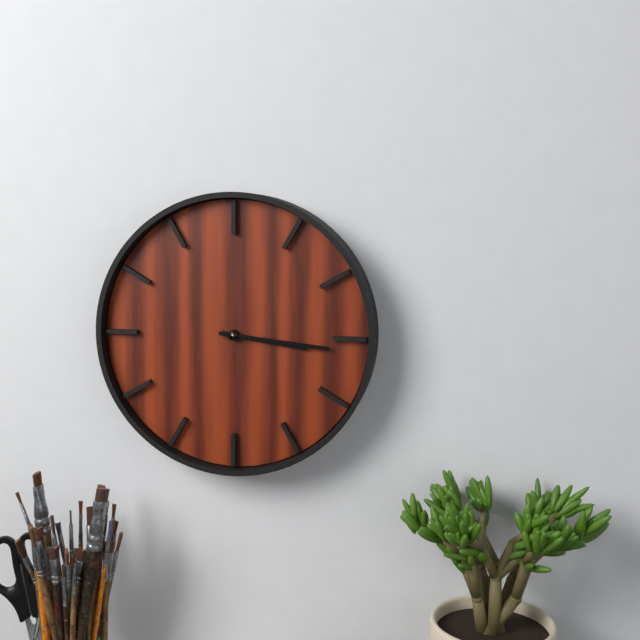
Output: h=3 m=16
